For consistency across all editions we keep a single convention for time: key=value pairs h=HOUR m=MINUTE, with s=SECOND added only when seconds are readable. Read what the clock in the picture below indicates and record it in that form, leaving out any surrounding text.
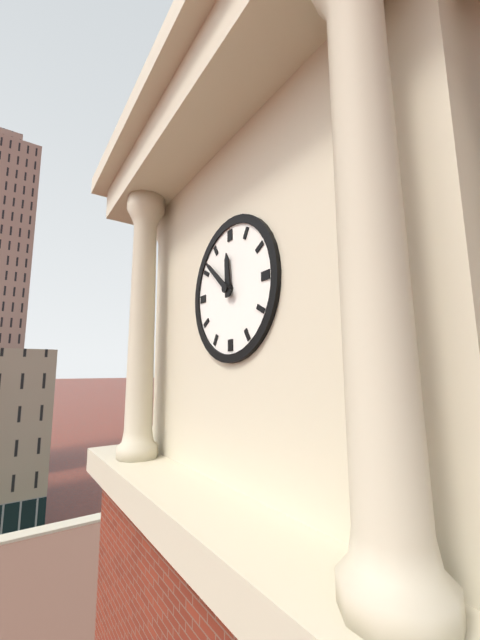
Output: h=11 m=52
